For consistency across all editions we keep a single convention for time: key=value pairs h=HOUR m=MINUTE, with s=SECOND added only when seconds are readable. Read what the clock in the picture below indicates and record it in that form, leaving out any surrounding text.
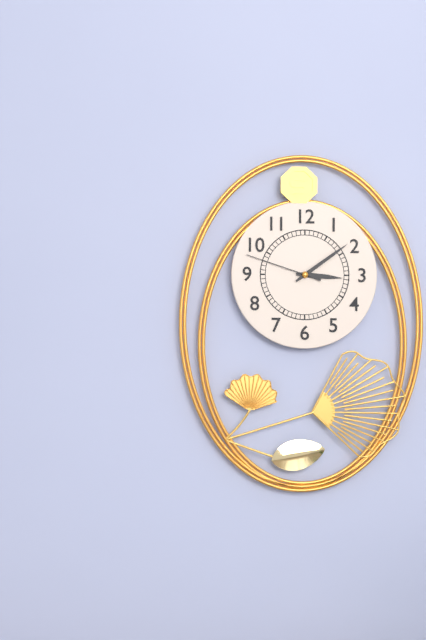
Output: h=3 m=9 s=48
